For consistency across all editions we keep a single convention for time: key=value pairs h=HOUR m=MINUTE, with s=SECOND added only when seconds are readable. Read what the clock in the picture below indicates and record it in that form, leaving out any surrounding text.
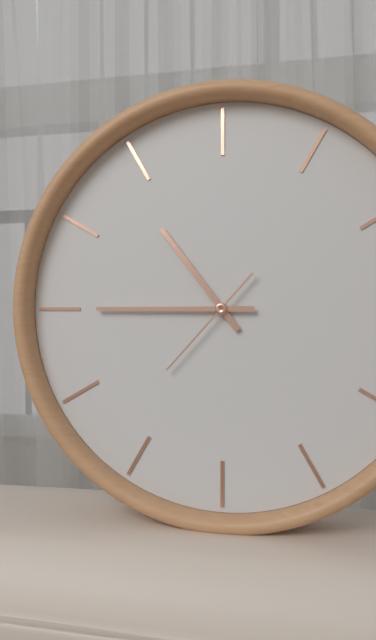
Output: h=10 m=45 s=37
